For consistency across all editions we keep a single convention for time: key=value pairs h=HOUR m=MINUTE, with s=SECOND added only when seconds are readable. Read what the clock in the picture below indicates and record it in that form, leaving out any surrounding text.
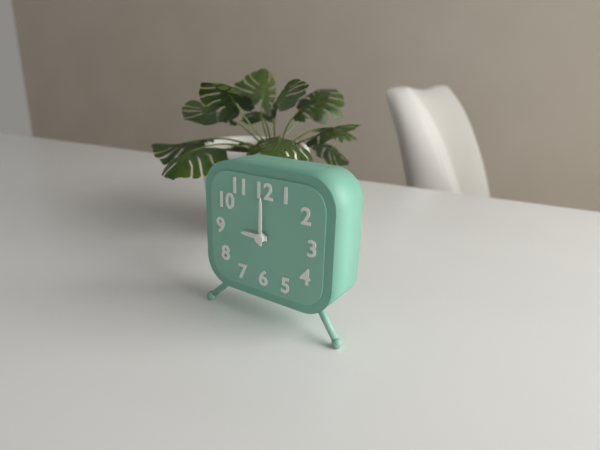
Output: h=9 m=0
